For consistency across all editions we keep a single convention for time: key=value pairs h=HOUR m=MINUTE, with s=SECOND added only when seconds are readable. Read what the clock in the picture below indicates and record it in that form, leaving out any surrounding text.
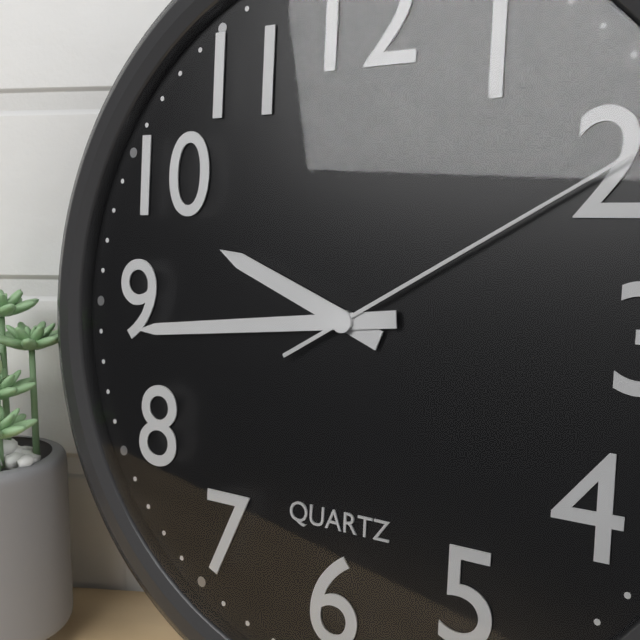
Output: h=9 m=44 s=10
